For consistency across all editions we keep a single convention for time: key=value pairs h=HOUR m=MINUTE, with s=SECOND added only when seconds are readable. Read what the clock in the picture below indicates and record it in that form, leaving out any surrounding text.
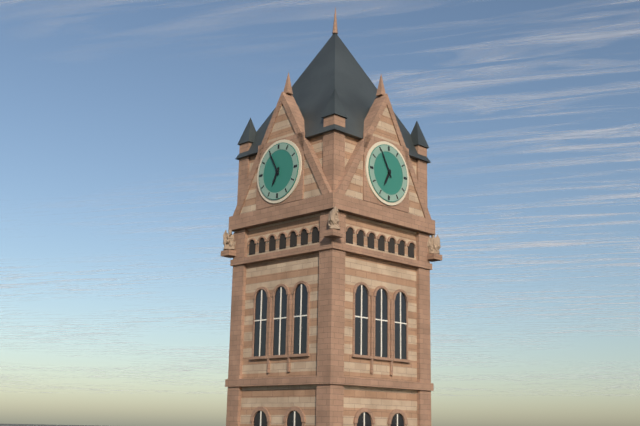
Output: h=6 m=55
